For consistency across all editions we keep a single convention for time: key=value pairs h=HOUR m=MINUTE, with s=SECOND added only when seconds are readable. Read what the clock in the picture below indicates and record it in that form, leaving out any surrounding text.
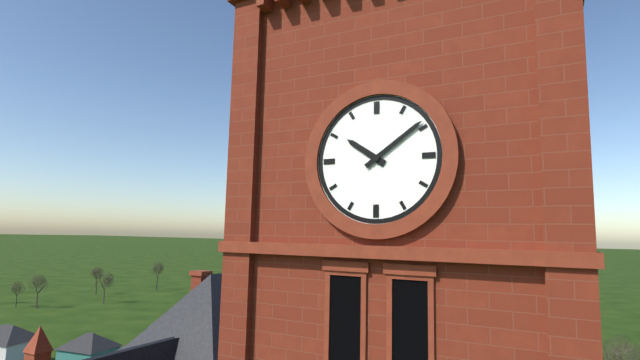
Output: h=10 m=9
